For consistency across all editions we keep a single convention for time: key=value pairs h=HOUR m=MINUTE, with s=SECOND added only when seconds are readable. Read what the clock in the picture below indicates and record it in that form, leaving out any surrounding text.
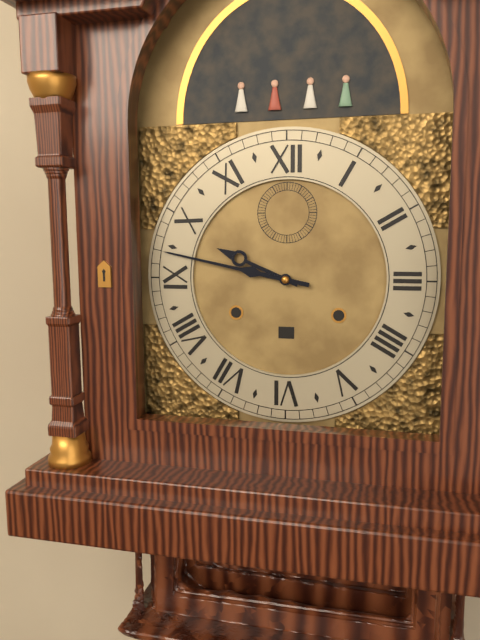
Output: h=9 m=47
